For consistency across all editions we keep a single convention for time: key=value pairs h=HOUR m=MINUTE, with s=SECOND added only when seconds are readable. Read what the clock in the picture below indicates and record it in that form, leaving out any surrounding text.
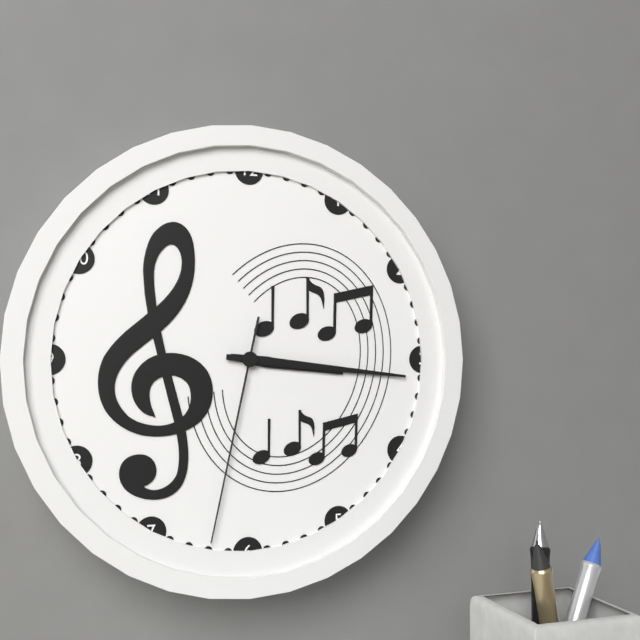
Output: h=3 m=16 s=32
